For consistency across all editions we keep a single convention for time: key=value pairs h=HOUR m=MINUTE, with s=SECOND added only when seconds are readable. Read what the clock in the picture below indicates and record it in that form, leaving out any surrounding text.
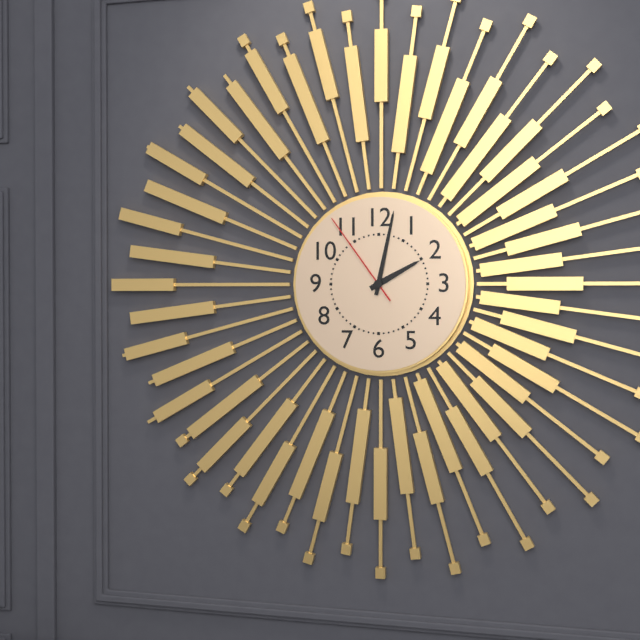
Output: h=2 m=2 s=54
